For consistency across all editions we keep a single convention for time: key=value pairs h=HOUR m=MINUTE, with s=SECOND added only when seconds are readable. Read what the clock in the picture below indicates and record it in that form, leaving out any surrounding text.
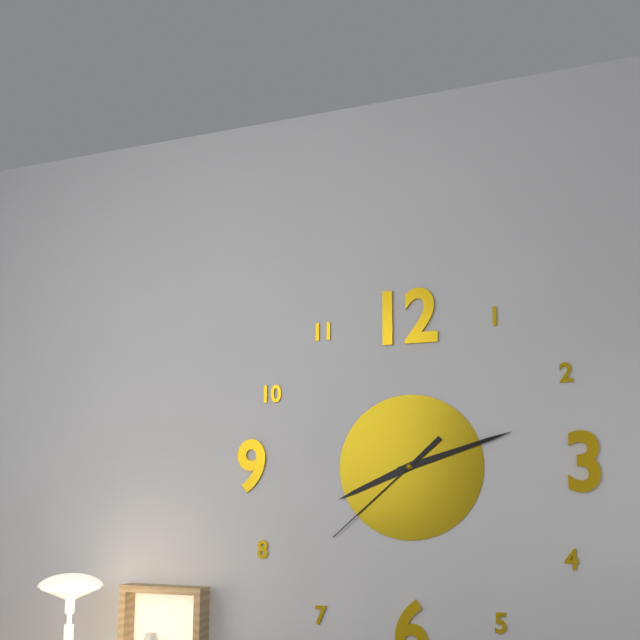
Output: h=8 m=12 s=38
